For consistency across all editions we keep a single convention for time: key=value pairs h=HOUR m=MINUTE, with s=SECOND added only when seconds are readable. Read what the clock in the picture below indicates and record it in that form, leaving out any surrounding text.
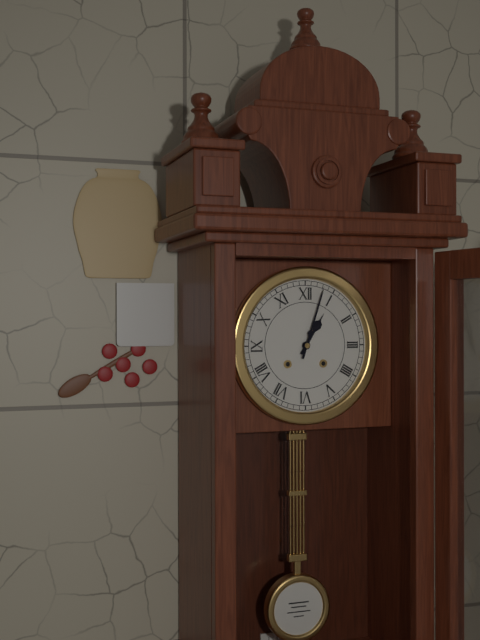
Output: h=1 m=3
